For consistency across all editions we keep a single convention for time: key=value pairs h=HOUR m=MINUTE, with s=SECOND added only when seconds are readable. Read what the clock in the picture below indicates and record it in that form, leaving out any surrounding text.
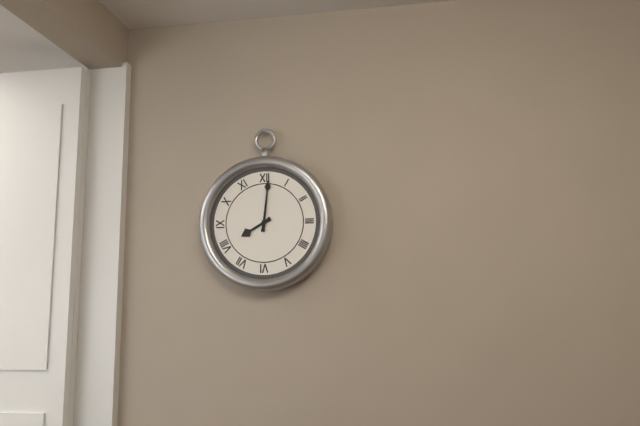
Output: h=8 m=1
